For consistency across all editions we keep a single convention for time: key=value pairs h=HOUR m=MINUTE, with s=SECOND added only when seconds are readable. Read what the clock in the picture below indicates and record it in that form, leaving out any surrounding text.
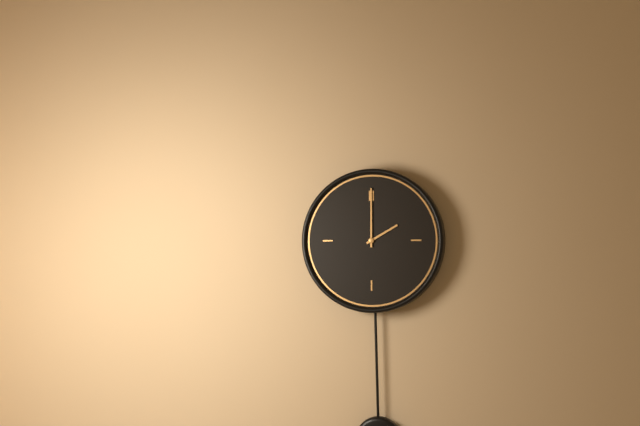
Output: h=2 m=0
